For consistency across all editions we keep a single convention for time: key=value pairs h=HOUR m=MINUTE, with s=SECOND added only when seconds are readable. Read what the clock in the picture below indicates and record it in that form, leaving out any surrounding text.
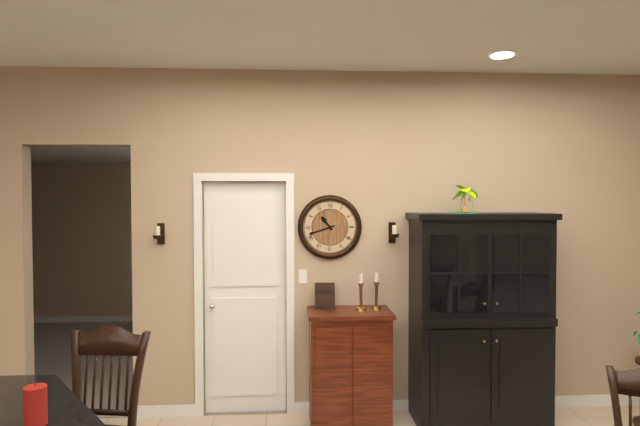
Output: h=10 m=42
